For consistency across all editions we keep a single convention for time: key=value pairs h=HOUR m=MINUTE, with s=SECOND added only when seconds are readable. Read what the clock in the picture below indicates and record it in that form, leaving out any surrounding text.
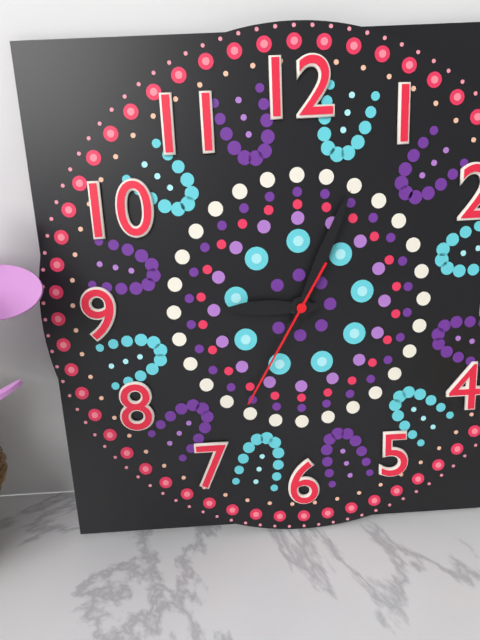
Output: h=9 m=4 s=35
